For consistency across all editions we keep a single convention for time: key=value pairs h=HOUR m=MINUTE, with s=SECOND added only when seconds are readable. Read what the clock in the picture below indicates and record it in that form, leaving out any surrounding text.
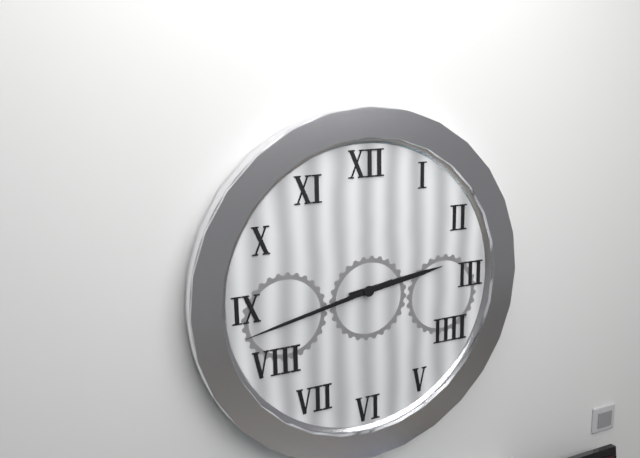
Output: h=2 m=43
